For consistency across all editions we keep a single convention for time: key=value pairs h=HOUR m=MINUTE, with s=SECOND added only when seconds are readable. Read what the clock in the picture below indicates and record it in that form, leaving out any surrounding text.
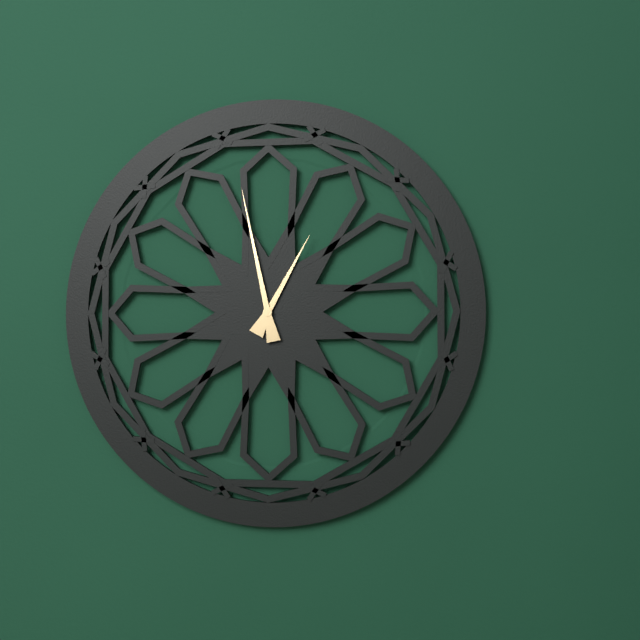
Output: h=12 m=58
